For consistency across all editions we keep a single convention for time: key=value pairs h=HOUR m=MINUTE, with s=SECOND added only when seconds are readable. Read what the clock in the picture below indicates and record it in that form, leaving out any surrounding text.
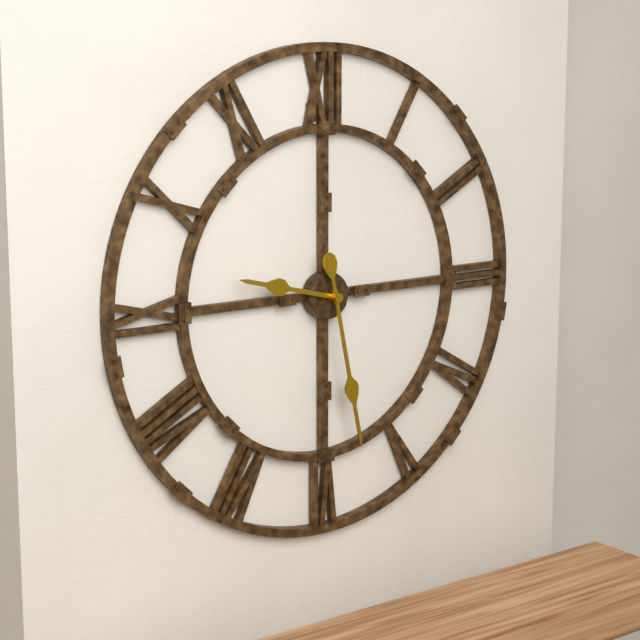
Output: h=9 m=28
